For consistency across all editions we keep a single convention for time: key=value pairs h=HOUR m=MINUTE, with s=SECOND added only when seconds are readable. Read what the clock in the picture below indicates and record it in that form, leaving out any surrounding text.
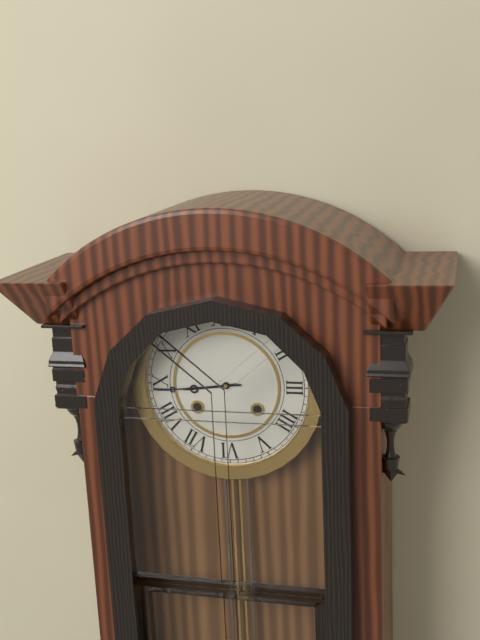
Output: h=8 m=44
